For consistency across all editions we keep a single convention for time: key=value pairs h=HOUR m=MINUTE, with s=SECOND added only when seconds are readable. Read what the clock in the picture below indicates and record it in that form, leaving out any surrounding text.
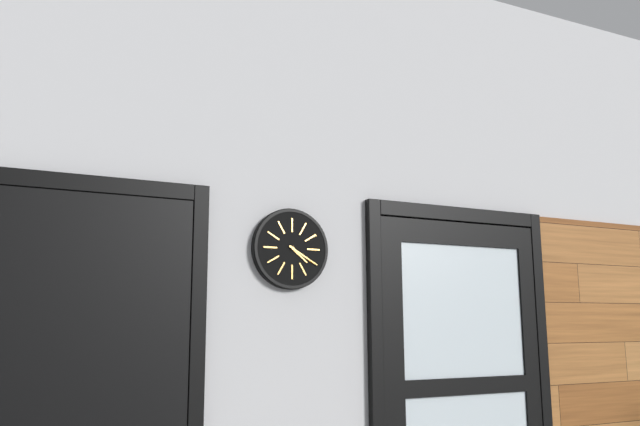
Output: h=4 m=20
